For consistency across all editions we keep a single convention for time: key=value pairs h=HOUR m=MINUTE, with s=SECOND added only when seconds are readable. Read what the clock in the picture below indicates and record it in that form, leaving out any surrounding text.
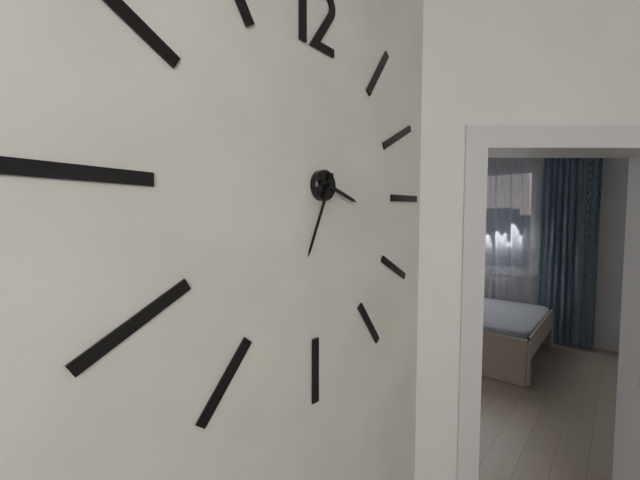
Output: h=3 m=34
